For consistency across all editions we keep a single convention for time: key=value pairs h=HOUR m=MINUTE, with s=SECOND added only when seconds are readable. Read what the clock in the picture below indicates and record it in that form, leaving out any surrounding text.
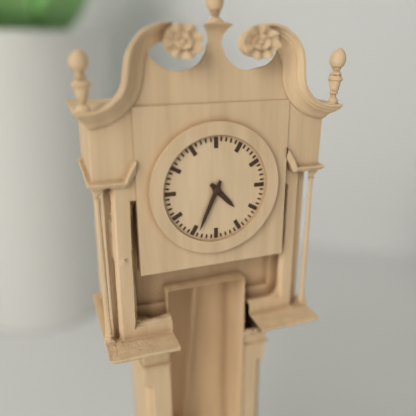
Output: h=4 m=34
